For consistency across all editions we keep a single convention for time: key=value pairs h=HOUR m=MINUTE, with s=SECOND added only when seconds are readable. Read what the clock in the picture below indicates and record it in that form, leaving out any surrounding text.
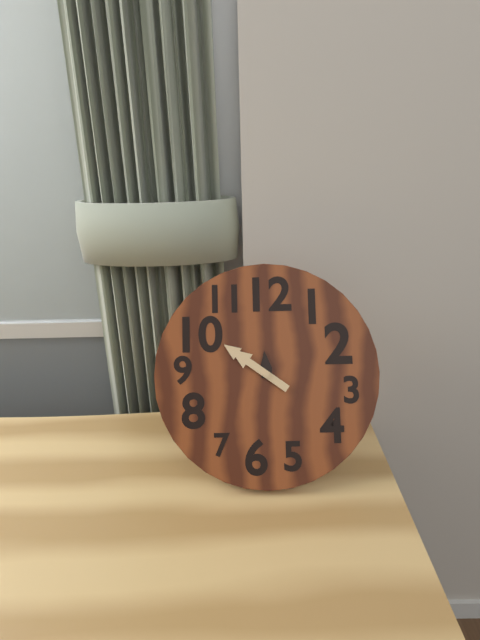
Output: h=11 m=51
